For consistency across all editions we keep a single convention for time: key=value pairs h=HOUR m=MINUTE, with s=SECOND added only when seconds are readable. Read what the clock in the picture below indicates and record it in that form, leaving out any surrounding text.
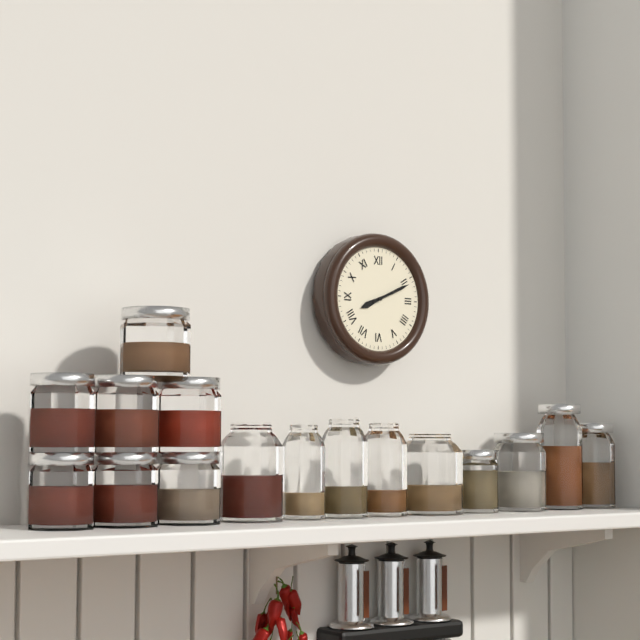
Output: h=8 m=11
